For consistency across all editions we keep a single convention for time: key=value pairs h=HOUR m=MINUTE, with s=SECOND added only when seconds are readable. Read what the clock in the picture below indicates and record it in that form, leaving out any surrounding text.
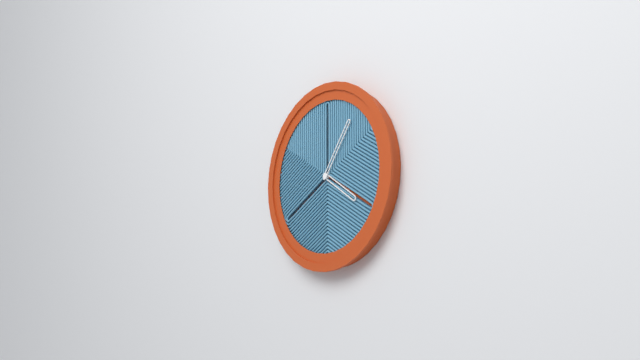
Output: h=4 m=6
